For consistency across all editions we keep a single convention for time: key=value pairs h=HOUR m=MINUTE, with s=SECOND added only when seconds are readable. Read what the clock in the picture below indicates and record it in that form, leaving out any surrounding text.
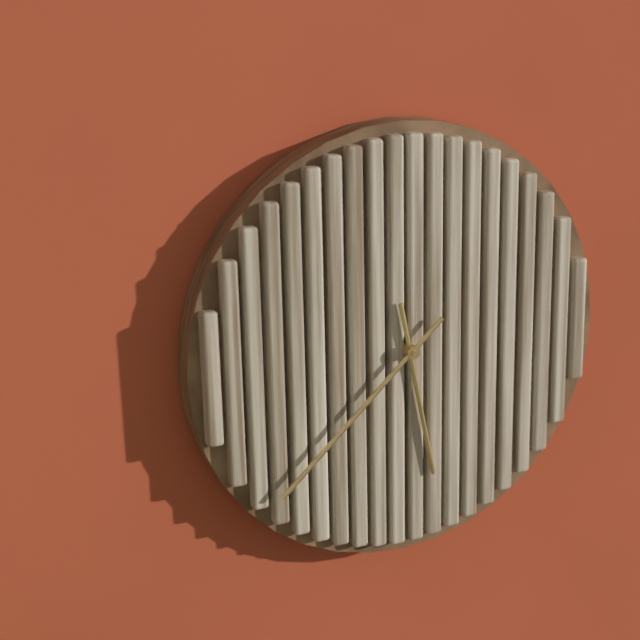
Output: h=5 m=38
